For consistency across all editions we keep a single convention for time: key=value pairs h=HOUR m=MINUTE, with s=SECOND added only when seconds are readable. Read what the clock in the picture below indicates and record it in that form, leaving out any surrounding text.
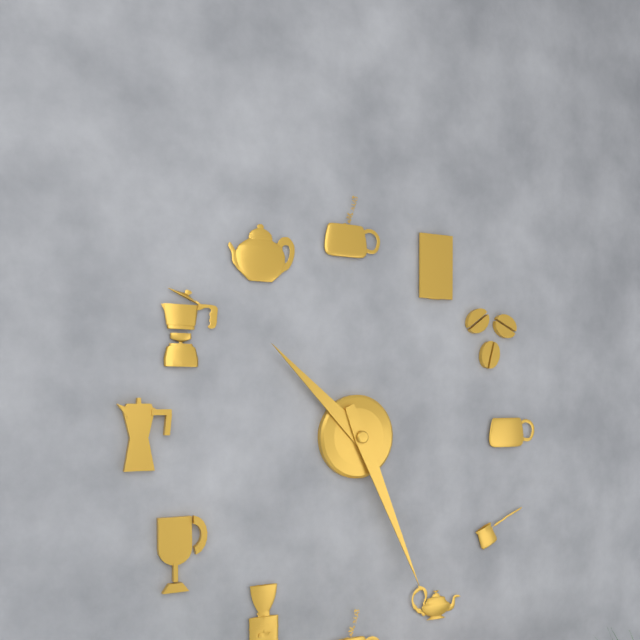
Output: h=10 m=26
